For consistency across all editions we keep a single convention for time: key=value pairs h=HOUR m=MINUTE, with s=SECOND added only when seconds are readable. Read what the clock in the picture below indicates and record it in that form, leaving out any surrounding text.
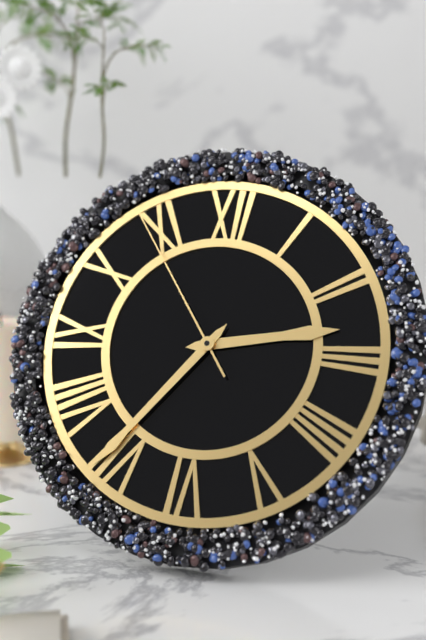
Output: h=2 m=36 s=54
